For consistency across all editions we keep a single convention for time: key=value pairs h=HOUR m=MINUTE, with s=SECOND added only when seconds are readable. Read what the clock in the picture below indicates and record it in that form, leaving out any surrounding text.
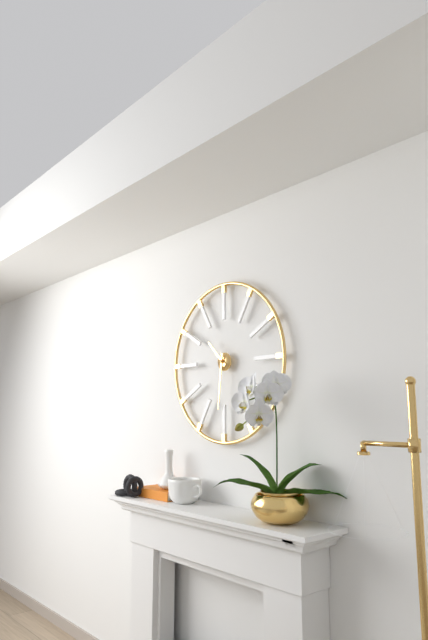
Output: h=10 m=31
